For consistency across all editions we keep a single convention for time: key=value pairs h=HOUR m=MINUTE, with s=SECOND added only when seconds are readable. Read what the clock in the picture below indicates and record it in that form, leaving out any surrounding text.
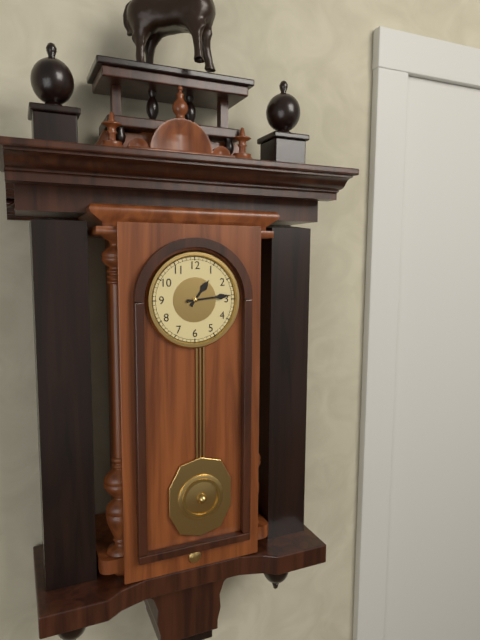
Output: h=1 m=14
